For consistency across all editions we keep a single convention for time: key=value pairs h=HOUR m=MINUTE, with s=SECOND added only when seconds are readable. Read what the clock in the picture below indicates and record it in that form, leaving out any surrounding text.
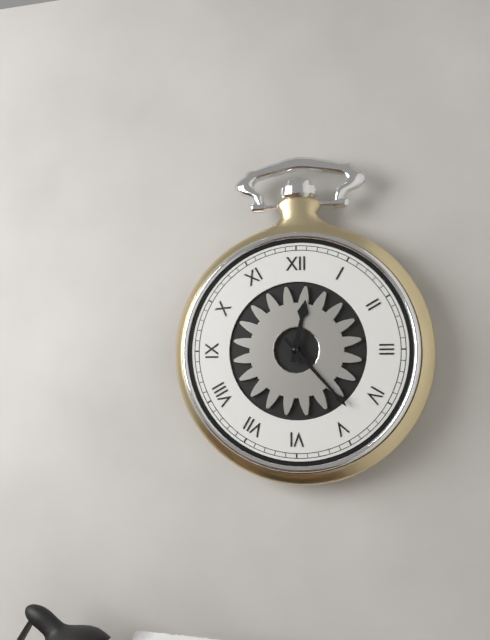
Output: h=12 m=23
